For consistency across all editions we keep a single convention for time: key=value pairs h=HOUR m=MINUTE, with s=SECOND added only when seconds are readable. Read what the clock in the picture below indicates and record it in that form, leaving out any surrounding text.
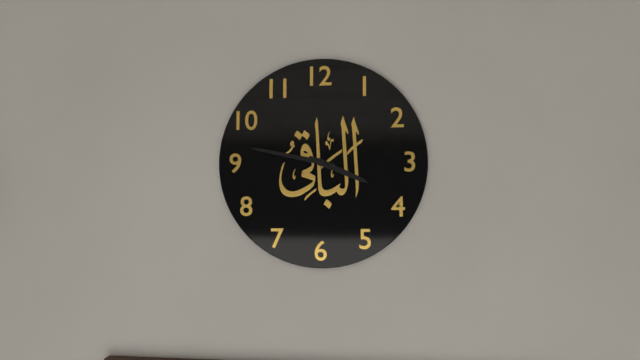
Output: h=3 m=47
